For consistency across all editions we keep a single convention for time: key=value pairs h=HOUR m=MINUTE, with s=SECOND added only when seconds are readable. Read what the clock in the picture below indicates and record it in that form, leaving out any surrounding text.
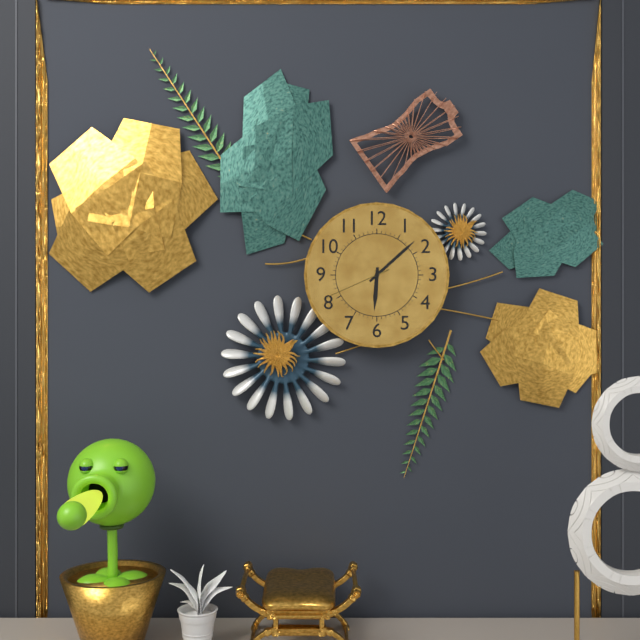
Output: h=6 m=8 s=41
